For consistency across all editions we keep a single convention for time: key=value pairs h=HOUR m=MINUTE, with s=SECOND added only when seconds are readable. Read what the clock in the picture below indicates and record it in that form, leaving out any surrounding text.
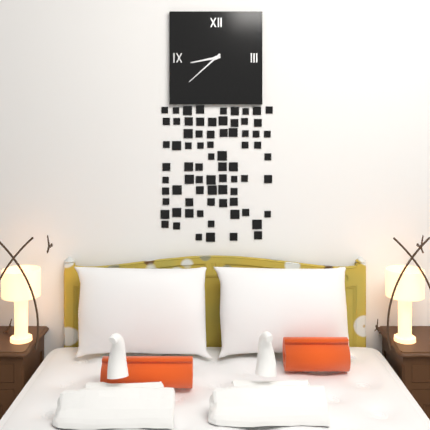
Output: h=8 m=38
